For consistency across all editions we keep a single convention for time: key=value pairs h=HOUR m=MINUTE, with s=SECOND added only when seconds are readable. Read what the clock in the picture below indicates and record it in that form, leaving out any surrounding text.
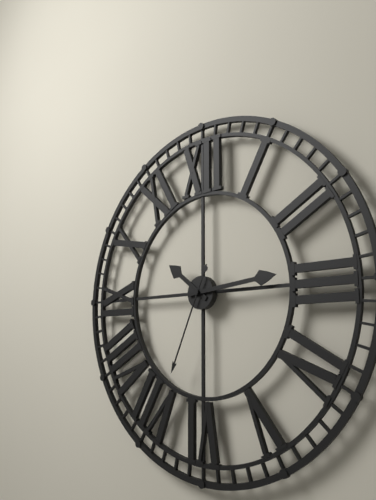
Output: h=10 m=14 s=34
